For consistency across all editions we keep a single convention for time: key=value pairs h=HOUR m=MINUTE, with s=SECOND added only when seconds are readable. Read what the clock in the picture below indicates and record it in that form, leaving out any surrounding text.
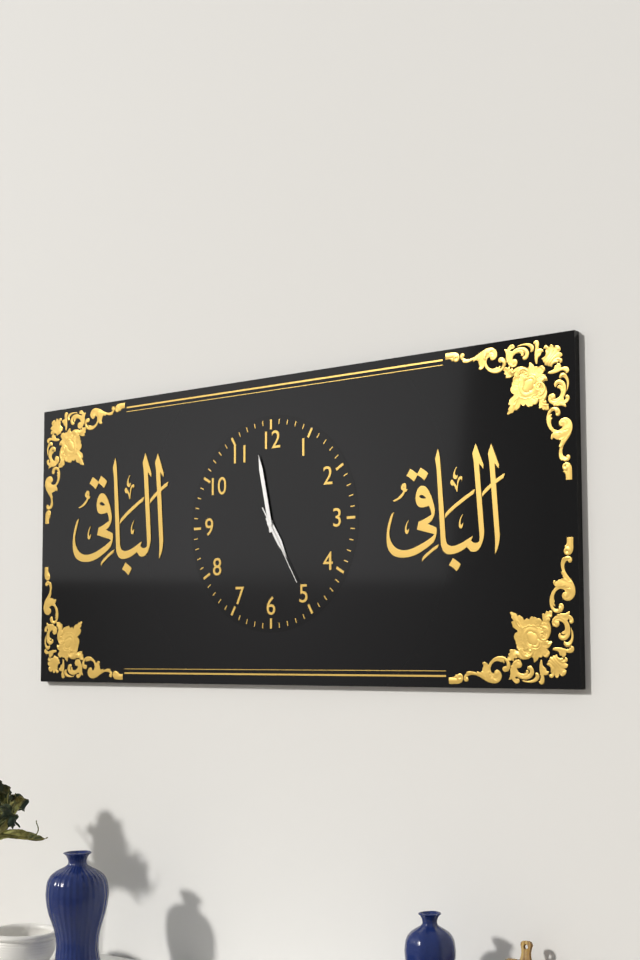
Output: h=4 m=58 s=25
